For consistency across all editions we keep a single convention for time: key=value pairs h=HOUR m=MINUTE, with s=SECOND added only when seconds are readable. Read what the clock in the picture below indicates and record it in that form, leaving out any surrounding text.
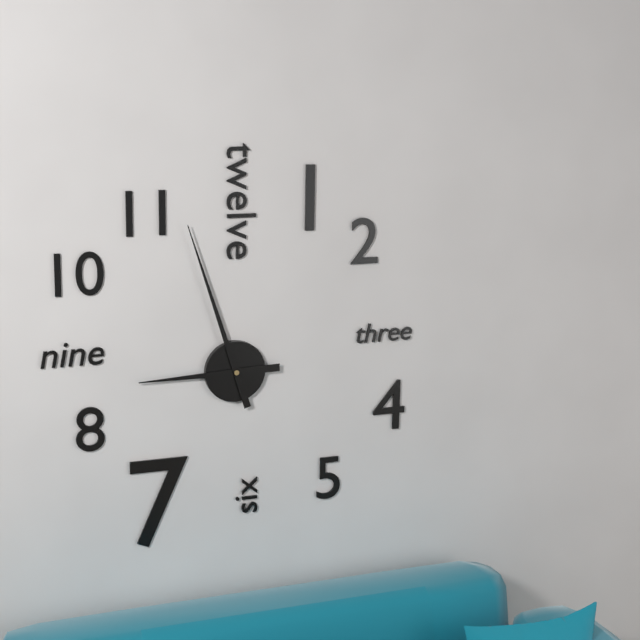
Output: h=8 m=57
